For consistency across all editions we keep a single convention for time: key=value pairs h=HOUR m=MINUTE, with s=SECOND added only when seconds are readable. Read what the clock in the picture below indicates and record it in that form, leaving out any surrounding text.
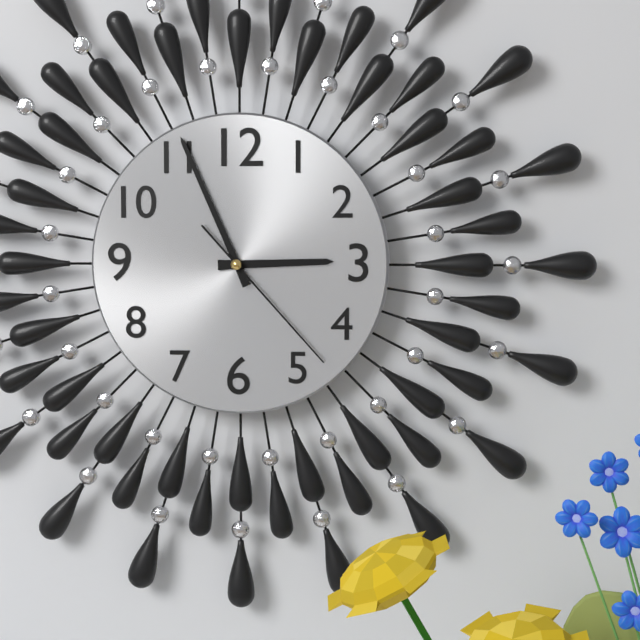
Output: h=2 m=56 s=23
